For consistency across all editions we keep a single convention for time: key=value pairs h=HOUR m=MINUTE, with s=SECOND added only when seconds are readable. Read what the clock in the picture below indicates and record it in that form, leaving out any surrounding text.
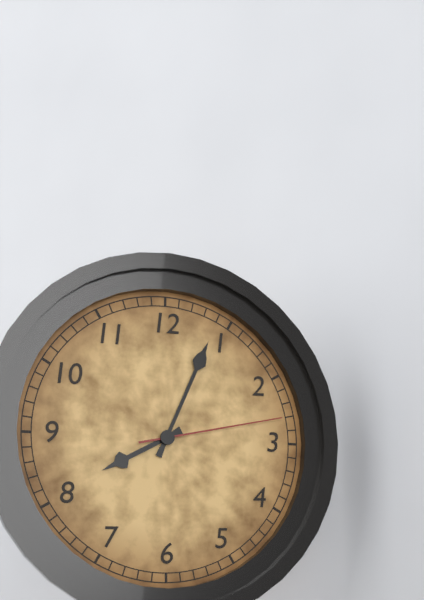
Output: h=8 m=4 s=13
